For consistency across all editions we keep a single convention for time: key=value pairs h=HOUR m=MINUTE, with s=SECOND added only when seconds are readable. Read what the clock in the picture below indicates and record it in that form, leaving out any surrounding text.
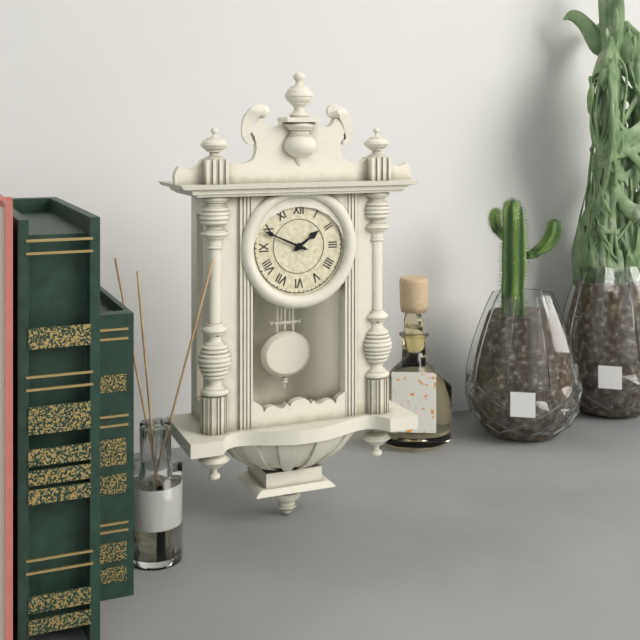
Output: h=1 m=49
